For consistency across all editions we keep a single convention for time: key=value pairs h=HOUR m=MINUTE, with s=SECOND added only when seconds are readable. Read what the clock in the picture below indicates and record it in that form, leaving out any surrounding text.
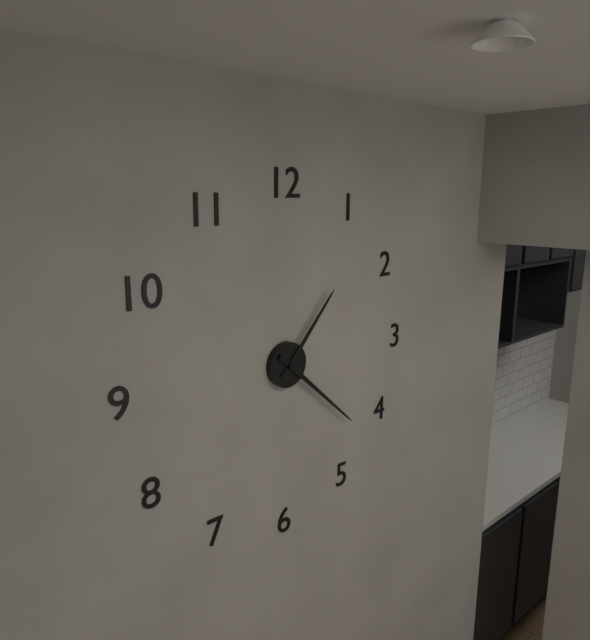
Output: h=1 m=22
